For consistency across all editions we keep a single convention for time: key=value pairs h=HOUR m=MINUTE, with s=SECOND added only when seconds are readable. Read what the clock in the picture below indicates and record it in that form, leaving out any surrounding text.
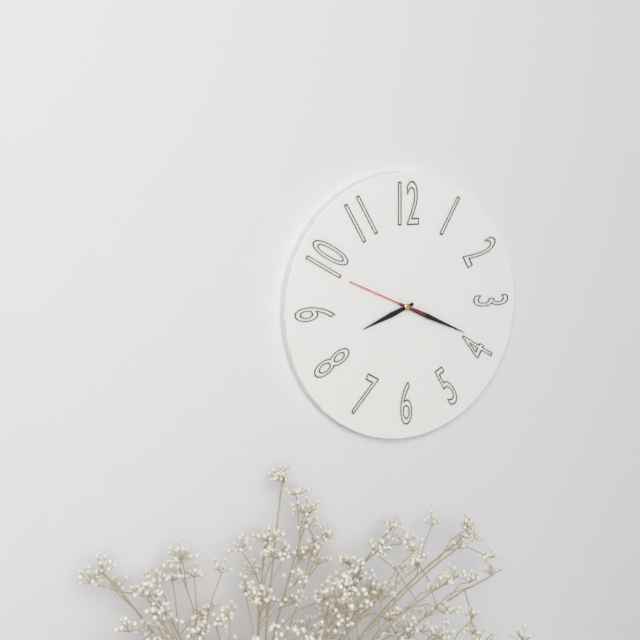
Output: h=8 m=19 s=49
